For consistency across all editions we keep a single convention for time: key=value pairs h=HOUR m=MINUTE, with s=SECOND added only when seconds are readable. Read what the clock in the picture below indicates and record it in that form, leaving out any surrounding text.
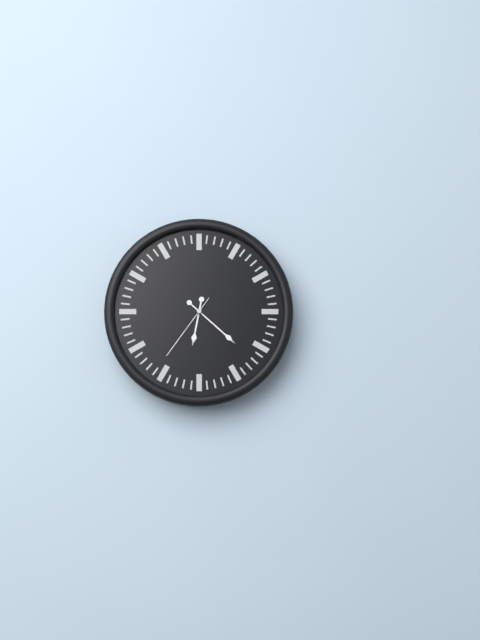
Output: h=6 m=22 s=36
